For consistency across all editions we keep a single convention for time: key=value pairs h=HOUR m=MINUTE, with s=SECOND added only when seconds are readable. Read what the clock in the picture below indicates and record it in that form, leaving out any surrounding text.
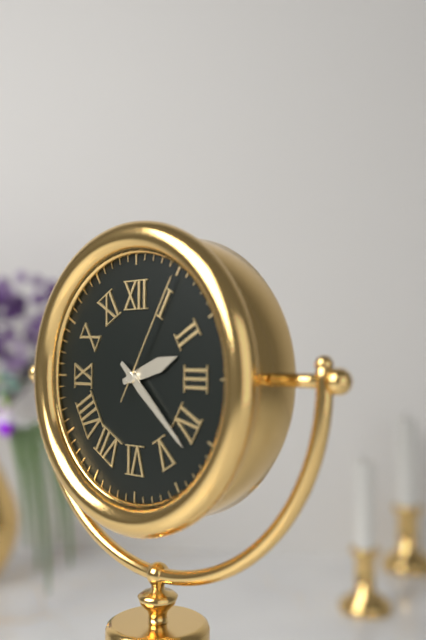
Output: h=2 m=22 s=5
